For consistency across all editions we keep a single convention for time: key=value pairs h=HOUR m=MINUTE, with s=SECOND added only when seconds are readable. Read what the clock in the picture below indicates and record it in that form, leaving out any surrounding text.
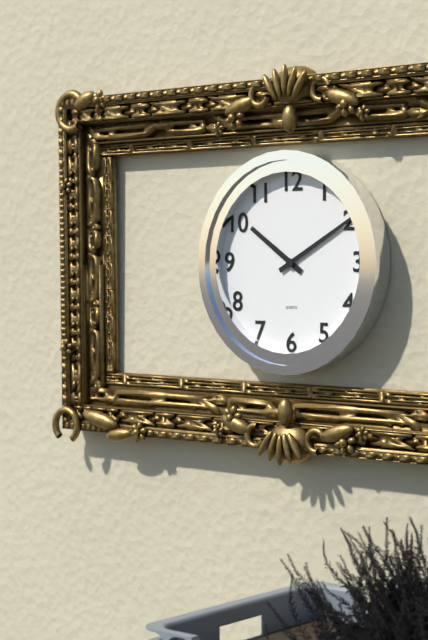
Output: h=10 m=10
